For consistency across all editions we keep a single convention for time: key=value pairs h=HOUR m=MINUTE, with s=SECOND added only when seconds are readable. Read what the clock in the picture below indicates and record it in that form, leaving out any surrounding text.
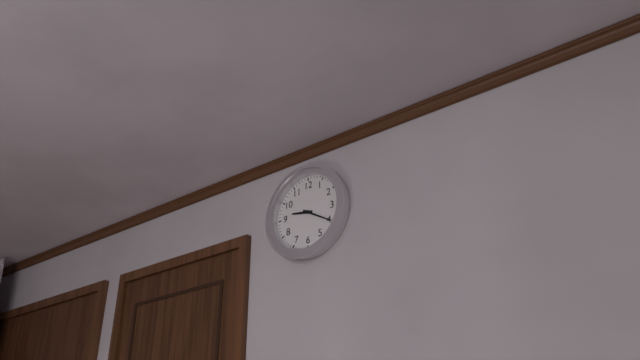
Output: h=9 m=20
